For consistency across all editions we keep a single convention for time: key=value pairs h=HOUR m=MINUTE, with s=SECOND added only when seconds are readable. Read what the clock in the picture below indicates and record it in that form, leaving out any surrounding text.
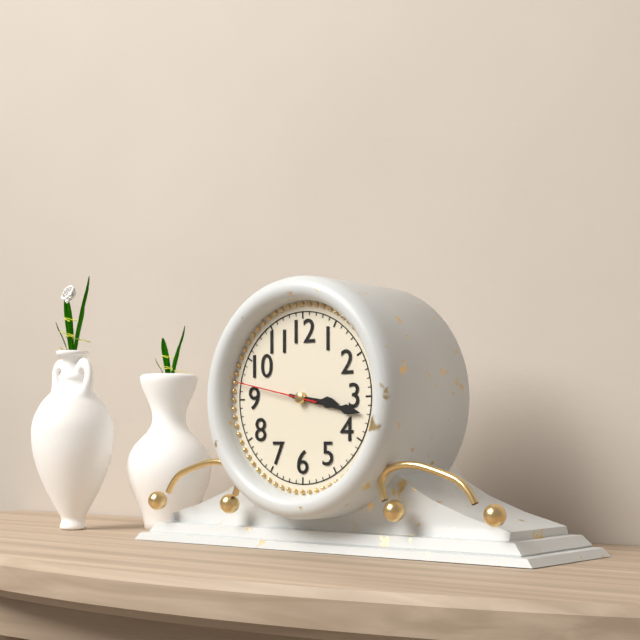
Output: h=3 m=17 s=47
